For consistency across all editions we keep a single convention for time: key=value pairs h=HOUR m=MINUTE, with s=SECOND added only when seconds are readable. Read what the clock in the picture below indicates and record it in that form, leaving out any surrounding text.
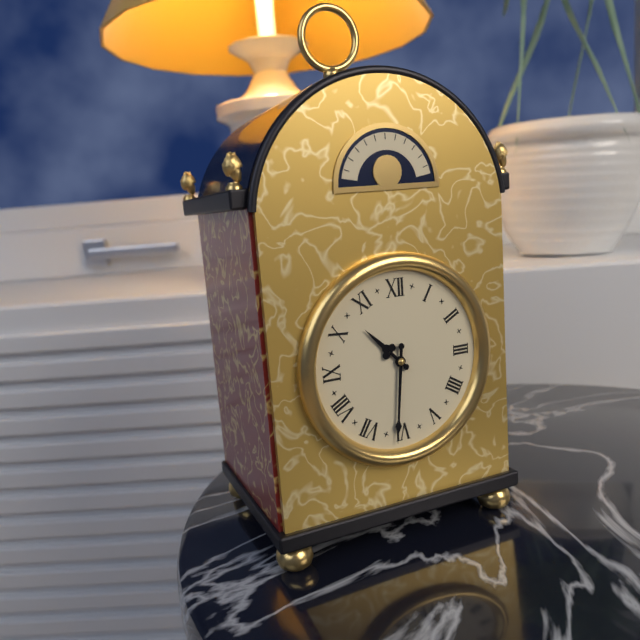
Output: h=10 m=31
